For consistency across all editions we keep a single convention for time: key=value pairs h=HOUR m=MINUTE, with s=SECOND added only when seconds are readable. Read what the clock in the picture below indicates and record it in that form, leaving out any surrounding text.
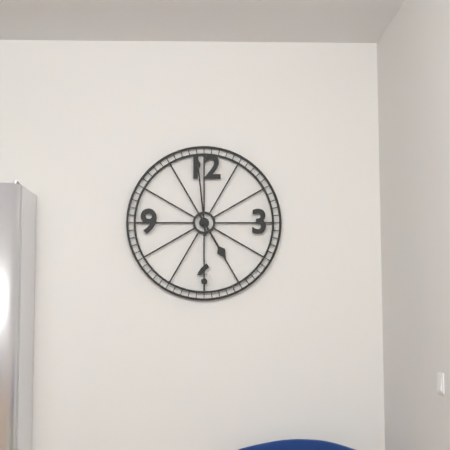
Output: h=4 m=59
